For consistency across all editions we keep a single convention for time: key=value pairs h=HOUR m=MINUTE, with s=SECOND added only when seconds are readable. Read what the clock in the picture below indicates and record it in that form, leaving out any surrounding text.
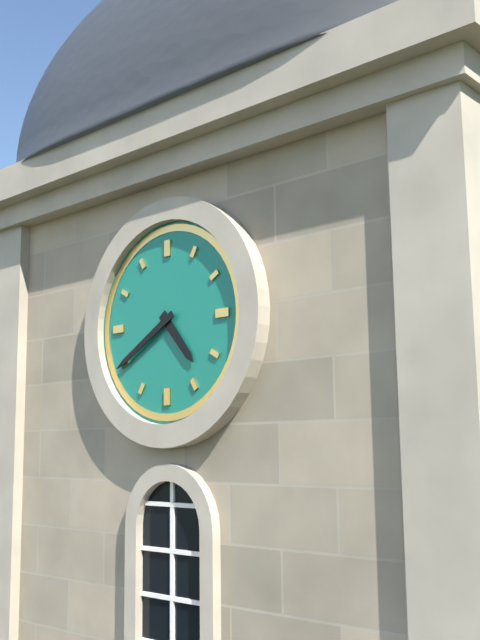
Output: h=4 m=40
